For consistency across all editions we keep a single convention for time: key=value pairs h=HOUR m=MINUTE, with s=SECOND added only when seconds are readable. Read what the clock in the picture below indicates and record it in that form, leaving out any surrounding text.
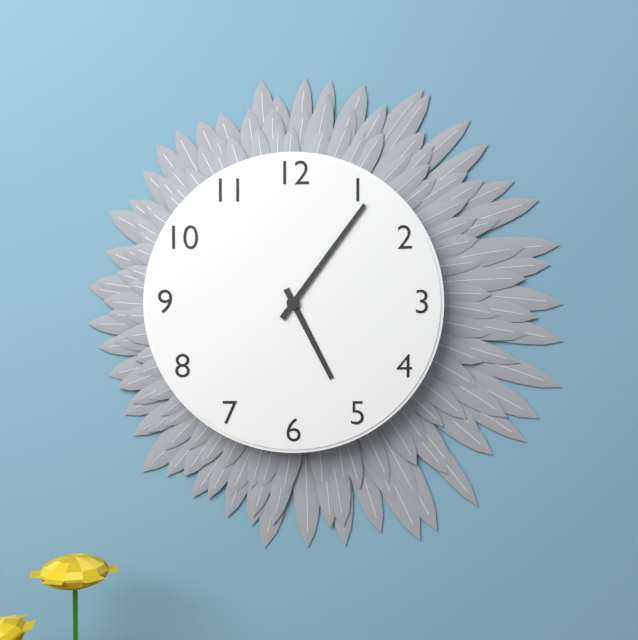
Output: h=5 m=6
